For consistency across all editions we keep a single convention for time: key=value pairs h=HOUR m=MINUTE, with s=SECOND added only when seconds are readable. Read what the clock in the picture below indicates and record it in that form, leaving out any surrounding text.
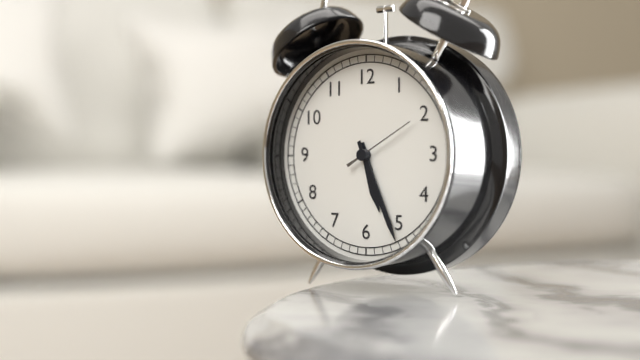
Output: h=5 m=26 s=10
